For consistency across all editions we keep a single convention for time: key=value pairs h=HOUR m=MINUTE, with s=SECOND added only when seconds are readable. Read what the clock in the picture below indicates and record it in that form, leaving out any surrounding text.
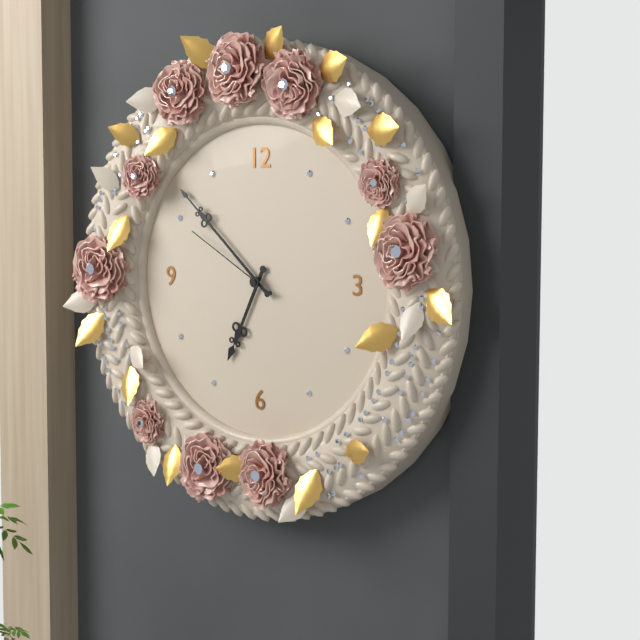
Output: h=6 m=52 s=50
